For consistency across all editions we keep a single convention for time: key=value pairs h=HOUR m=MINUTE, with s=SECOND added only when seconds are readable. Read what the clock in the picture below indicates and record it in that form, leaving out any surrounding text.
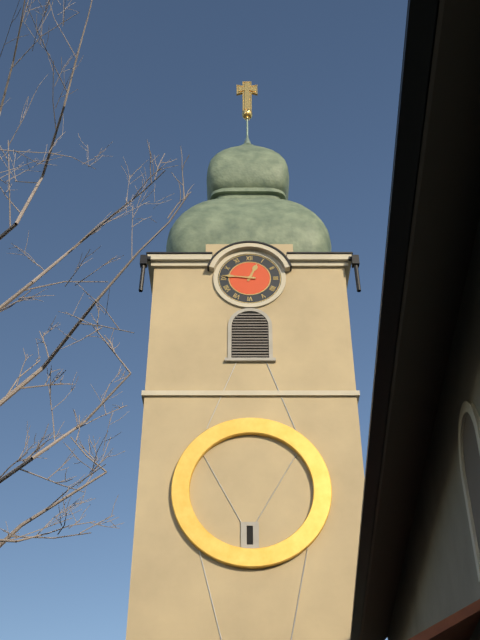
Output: h=12 m=46
